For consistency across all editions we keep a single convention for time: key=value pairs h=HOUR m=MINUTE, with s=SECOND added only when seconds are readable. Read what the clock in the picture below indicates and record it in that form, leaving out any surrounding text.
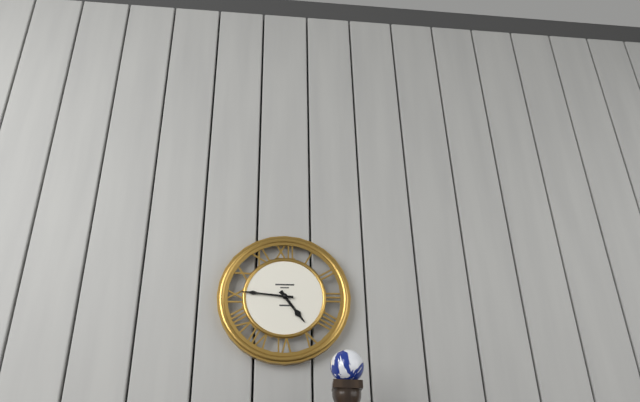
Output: h=4 m=46
